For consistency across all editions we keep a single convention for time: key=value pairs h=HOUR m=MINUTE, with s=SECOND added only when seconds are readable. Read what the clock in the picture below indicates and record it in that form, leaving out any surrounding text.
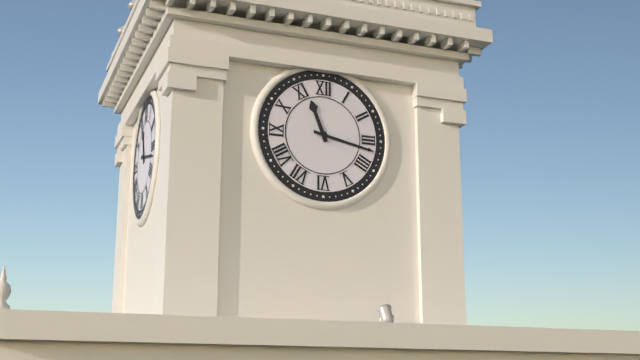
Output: h=11 m=17
